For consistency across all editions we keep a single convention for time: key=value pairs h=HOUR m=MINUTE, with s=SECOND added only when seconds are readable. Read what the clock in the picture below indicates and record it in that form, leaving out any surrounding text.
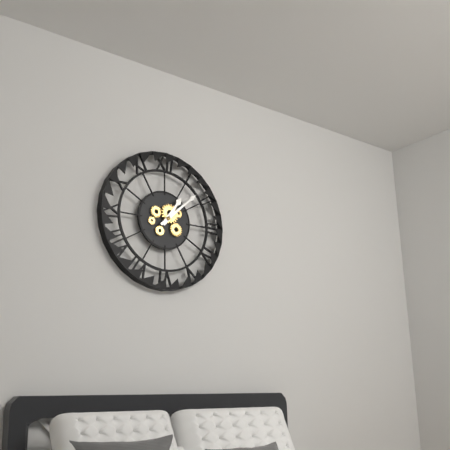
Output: h=1 m=8
